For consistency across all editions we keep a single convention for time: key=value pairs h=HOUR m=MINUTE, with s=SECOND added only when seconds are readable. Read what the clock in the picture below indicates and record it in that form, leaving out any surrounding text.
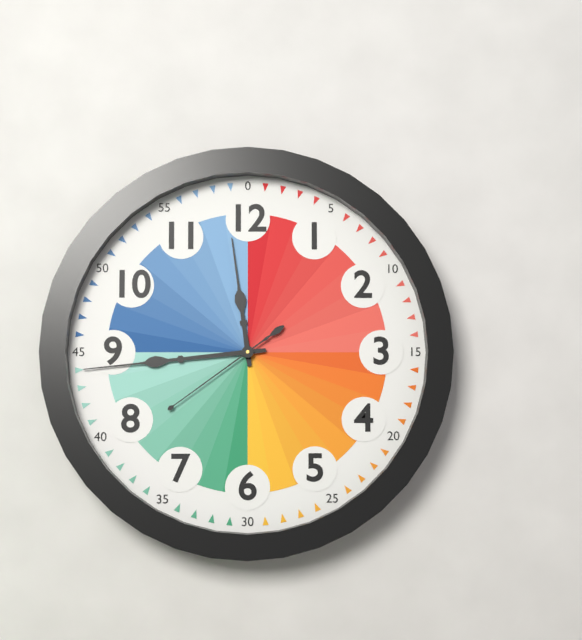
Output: h=11 m=44 s=39
